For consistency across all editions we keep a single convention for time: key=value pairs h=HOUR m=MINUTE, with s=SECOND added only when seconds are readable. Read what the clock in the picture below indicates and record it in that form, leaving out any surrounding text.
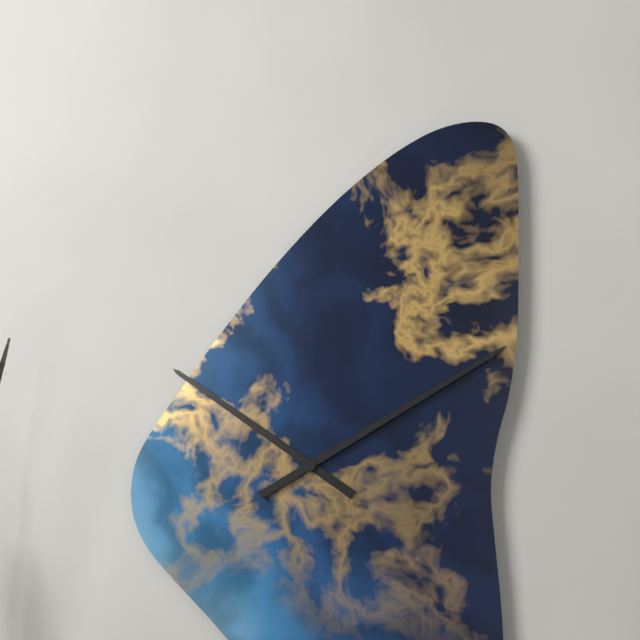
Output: h=10 m=10
